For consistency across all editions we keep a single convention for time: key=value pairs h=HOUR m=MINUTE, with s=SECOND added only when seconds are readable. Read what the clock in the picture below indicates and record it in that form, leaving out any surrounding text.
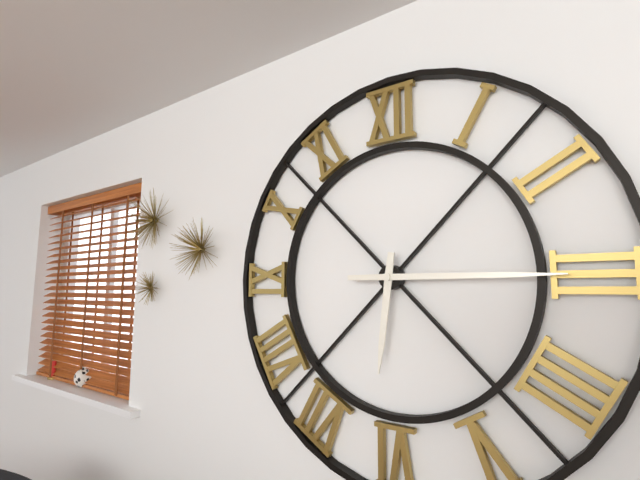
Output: h=6 m=15
